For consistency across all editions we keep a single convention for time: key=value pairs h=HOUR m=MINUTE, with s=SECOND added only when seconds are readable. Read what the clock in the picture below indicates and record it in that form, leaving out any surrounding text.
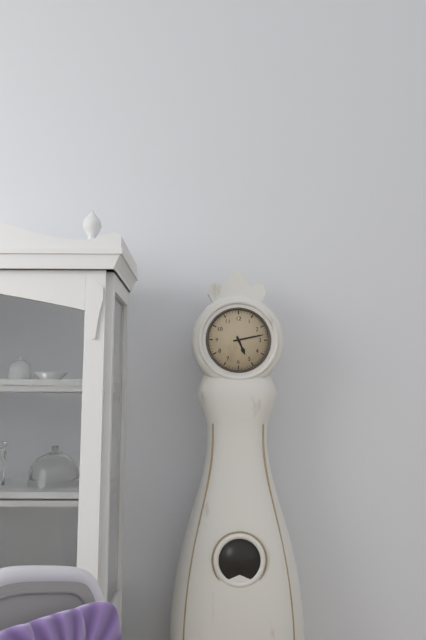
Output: h=5 m=13
